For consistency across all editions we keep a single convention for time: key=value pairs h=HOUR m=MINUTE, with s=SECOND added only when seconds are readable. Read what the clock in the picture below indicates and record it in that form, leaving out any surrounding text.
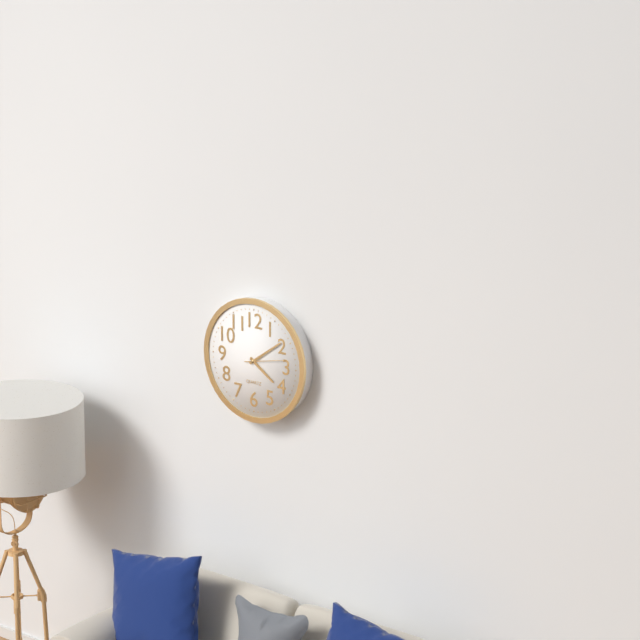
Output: h=4 m=9
